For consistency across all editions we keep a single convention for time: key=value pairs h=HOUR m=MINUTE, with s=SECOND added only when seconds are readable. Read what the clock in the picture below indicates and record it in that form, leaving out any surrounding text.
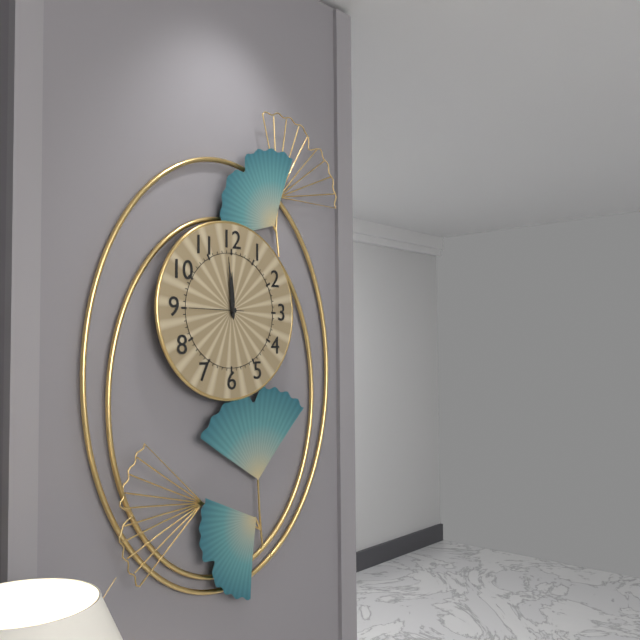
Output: h=11 m=59 s=45
